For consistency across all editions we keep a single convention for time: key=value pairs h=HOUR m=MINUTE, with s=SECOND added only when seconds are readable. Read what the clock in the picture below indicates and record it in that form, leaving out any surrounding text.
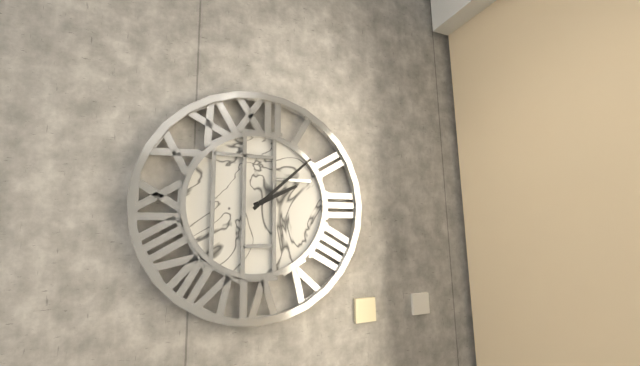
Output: h=2 m=8
